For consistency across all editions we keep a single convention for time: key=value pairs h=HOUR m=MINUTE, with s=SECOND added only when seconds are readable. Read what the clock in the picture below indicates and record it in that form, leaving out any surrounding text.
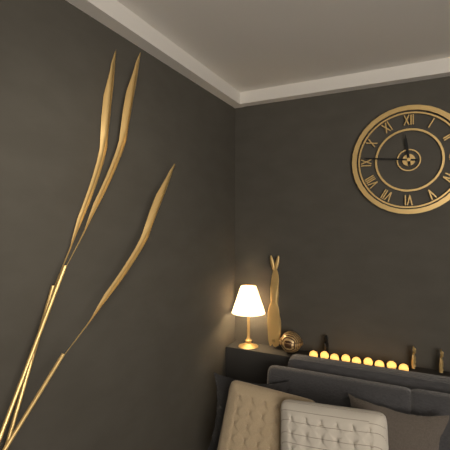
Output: h=11 m=46
